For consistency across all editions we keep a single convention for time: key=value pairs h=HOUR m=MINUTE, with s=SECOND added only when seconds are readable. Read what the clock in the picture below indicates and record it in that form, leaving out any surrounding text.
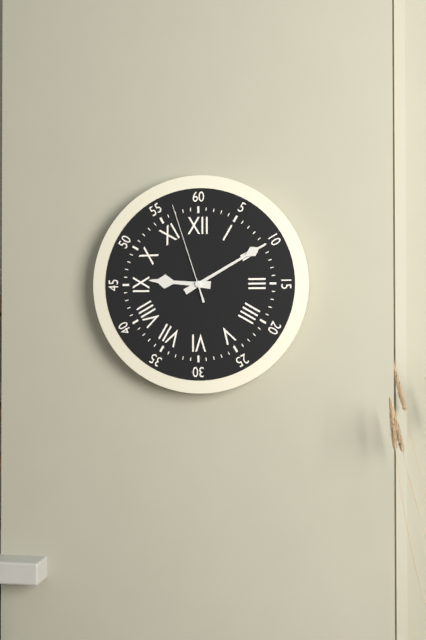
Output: h=9 m=10 s=57
